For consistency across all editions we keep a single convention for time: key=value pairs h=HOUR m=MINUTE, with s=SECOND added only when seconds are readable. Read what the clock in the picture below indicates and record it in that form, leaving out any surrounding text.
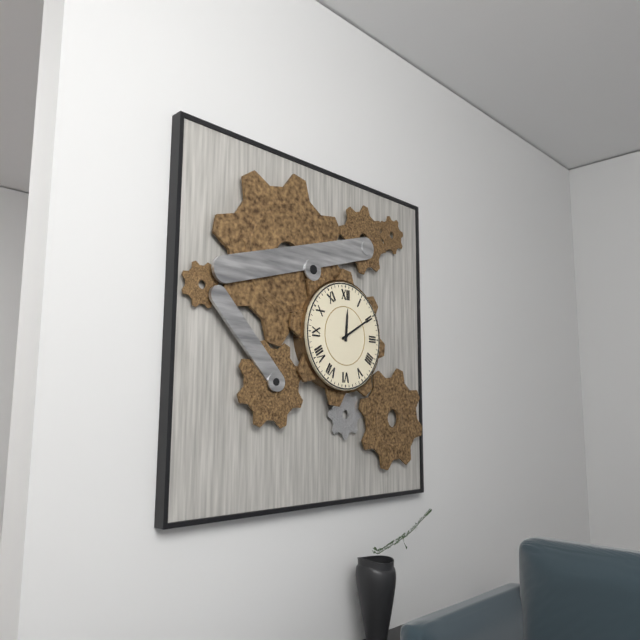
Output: h=12 m=10
